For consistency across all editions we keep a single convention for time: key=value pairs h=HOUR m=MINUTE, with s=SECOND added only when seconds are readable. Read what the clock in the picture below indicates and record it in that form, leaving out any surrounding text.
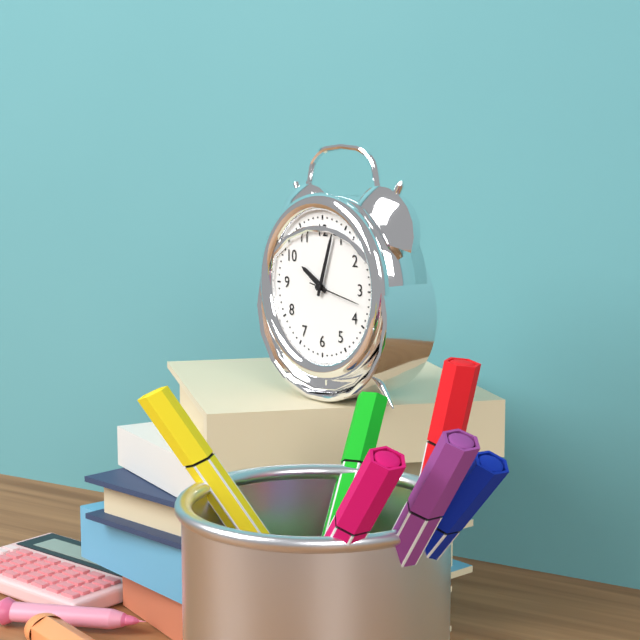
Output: h=10 m=3 s=17
